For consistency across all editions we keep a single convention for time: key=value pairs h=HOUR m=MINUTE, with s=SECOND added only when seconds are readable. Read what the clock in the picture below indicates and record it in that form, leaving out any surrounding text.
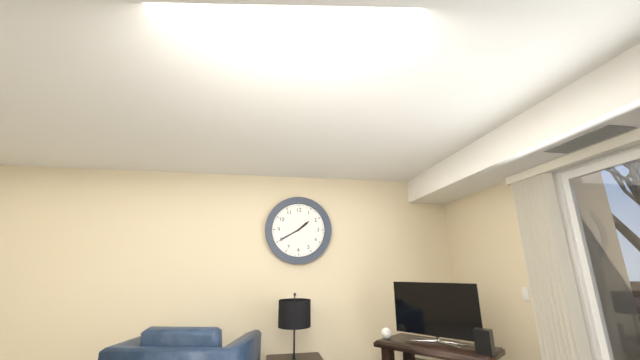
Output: h=1 m=40
